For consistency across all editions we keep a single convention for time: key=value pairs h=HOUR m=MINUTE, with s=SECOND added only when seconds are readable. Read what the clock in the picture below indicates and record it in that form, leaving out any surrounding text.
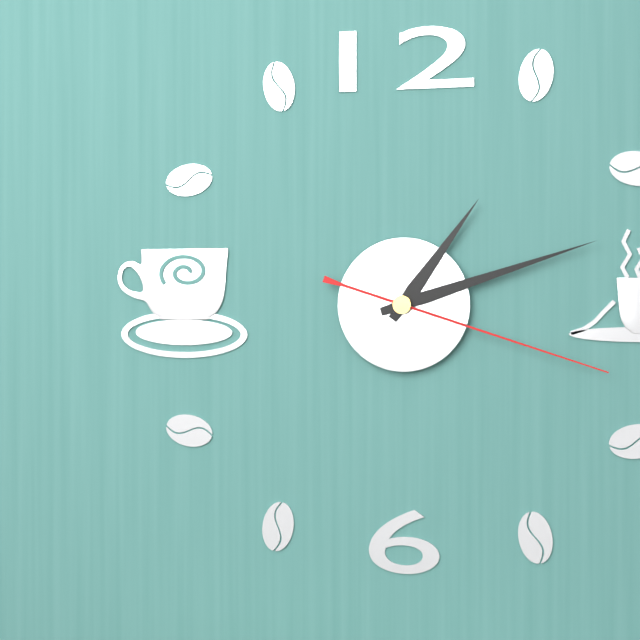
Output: h=1 m=12 s=18
